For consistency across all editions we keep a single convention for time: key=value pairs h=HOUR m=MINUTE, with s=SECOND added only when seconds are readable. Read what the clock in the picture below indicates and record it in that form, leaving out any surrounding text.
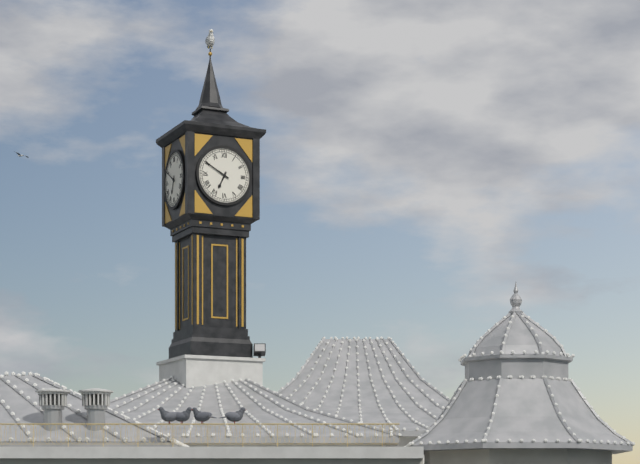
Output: h=6 m=50
